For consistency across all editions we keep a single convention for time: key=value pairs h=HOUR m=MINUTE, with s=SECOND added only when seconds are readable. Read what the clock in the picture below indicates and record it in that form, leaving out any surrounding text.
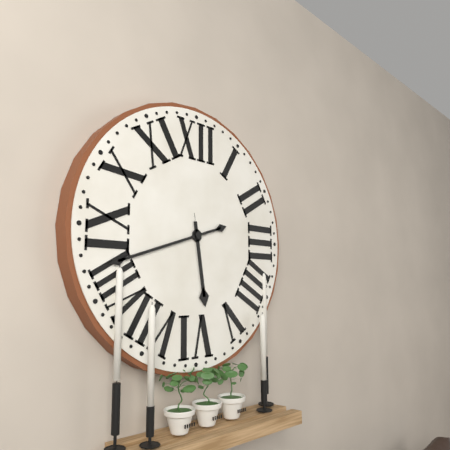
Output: h=5 m=42
